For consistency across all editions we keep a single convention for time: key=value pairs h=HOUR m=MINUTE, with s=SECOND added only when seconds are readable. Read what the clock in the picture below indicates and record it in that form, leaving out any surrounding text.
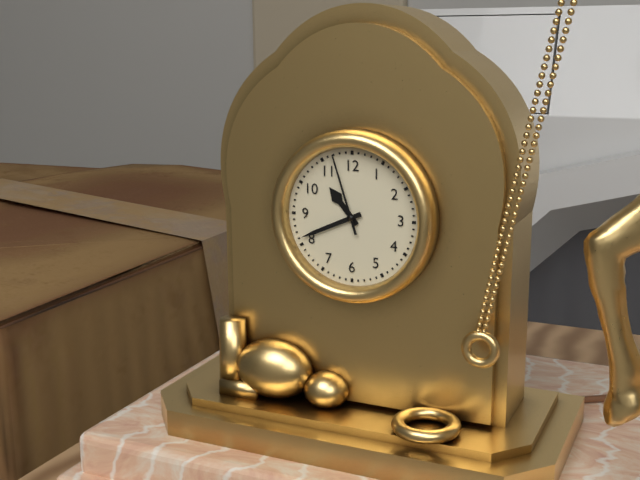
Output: h=10 m=41 s=57
